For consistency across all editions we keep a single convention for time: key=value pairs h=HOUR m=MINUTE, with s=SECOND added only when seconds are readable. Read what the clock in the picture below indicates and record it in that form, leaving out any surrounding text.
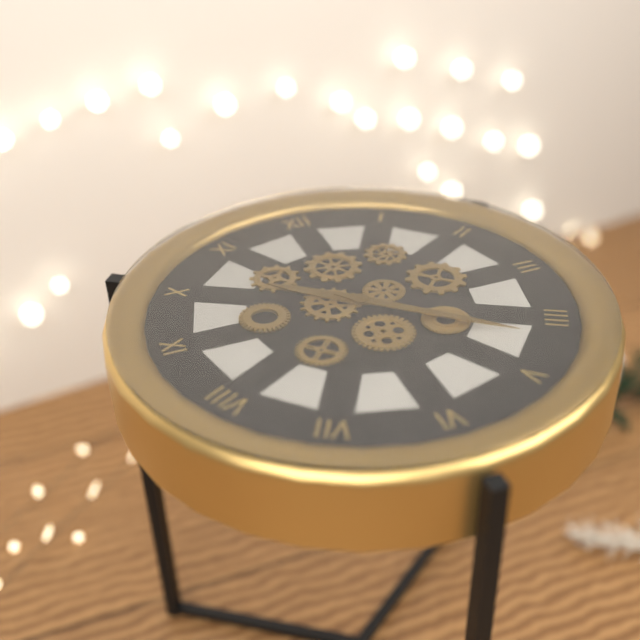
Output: h=10 m=22
